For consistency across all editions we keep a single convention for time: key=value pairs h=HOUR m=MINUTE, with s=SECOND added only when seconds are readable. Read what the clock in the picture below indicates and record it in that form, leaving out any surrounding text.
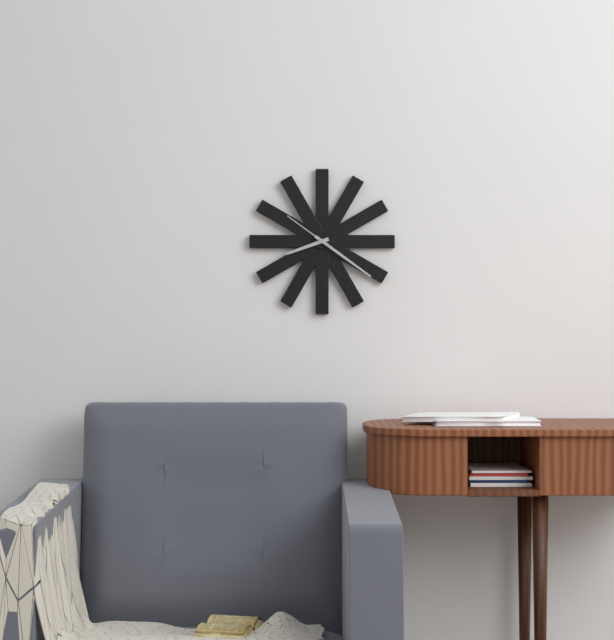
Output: h=8 m=21 s=51
